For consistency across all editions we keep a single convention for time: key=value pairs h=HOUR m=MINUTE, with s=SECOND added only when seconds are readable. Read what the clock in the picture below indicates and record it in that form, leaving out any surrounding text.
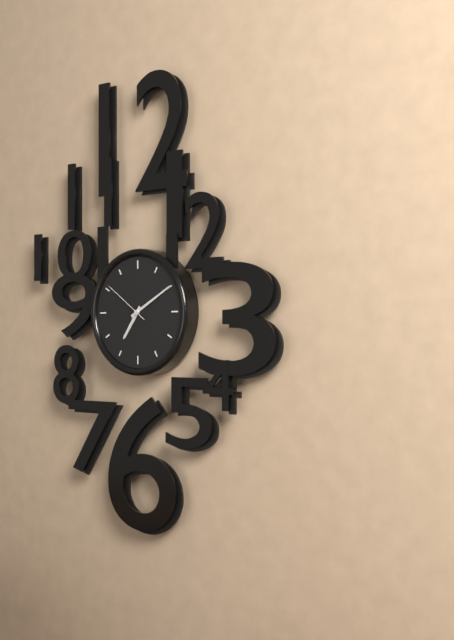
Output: h=7 m=10 s=51
